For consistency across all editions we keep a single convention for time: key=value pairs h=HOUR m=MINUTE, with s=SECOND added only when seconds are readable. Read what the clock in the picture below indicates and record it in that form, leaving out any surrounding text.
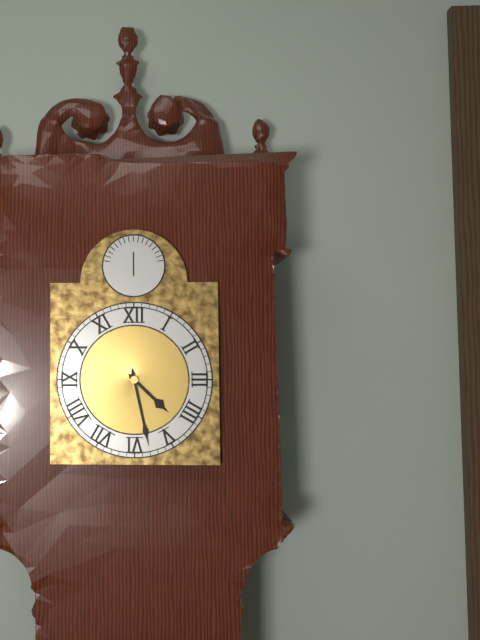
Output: h=4 m=28
